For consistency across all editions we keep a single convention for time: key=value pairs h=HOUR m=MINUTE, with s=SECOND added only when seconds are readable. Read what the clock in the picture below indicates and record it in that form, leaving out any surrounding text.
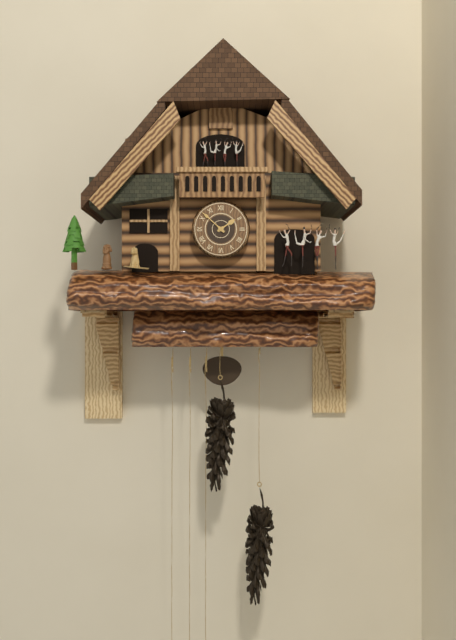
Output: h=1 m=52
